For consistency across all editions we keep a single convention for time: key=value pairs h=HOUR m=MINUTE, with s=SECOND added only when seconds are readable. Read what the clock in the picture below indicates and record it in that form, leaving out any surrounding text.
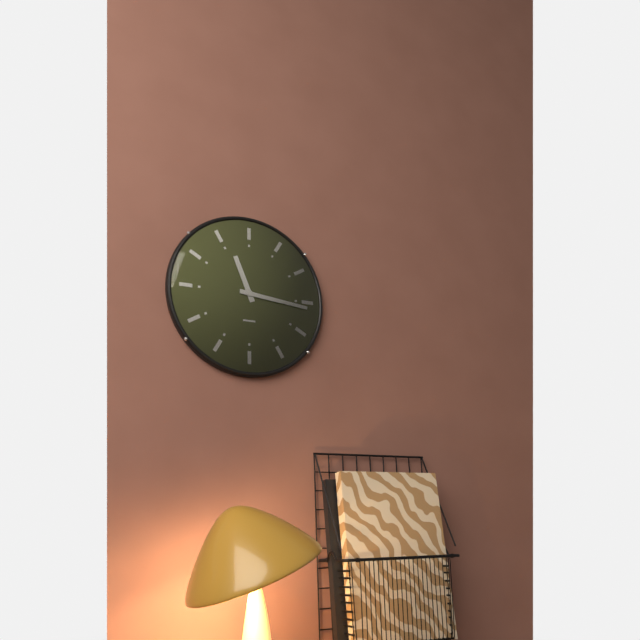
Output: h=11 m=16
